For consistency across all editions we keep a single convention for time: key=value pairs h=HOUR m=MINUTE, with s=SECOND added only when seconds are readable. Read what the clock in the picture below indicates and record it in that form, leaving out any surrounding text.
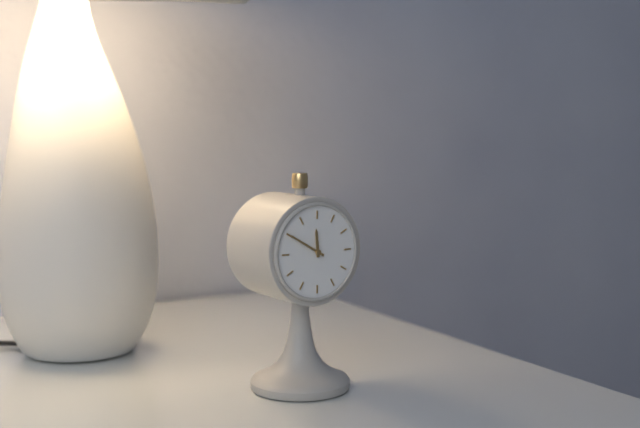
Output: h=11 m=50
